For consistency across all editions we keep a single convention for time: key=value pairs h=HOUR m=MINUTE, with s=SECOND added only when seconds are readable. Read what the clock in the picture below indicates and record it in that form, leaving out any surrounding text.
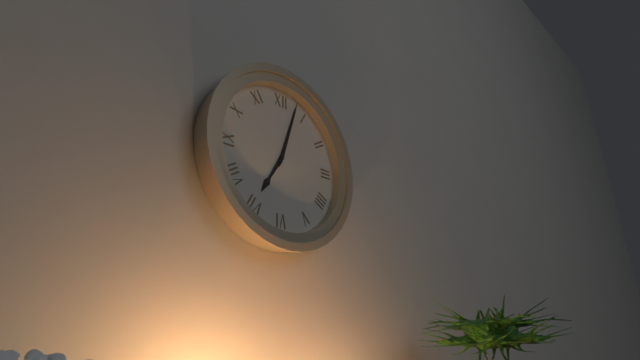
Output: h=7 m=3
